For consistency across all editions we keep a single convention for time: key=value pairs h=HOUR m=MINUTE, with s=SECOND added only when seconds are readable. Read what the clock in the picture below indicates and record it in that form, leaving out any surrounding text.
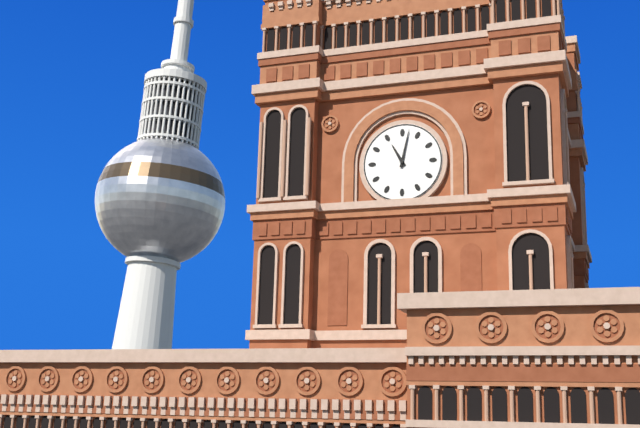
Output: h=11 m=2
